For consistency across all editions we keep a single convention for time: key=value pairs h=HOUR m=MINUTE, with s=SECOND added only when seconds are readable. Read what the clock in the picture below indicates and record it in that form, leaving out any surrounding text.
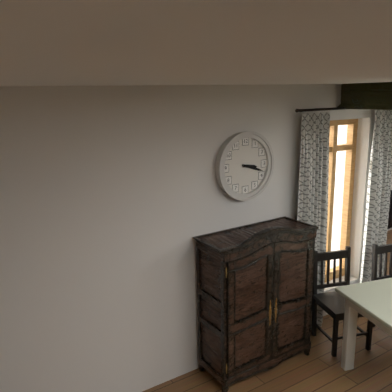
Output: h=3 m=18
